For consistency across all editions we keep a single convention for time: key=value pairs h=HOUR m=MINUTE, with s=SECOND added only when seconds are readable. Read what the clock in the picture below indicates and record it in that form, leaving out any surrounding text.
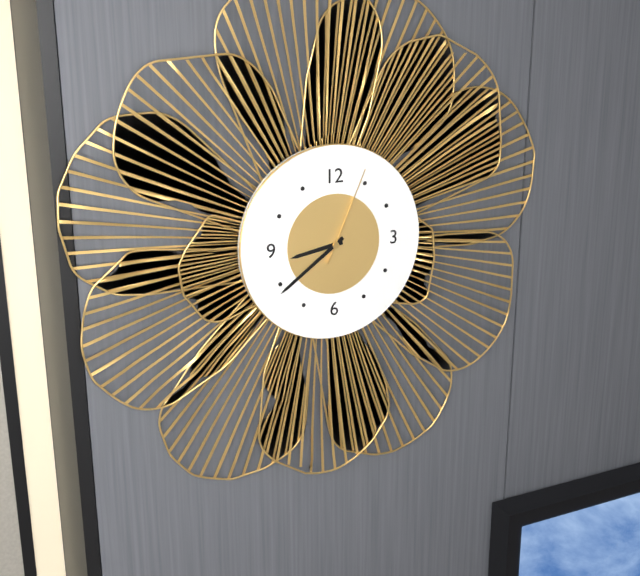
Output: h=8 m=39 s=4
